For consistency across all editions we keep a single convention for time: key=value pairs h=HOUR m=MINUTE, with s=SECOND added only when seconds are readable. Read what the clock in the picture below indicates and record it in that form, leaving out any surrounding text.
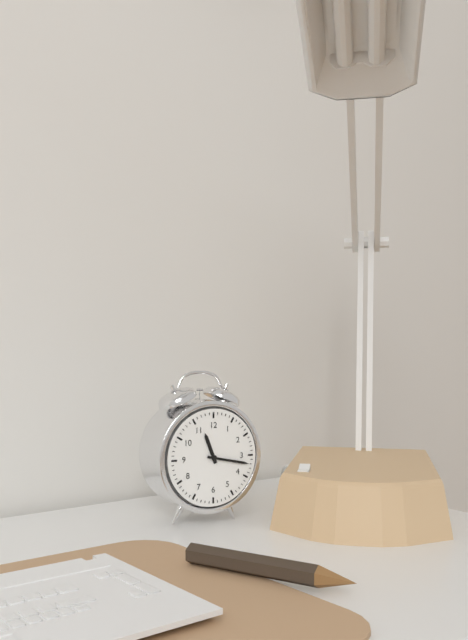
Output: h=11 m=17
